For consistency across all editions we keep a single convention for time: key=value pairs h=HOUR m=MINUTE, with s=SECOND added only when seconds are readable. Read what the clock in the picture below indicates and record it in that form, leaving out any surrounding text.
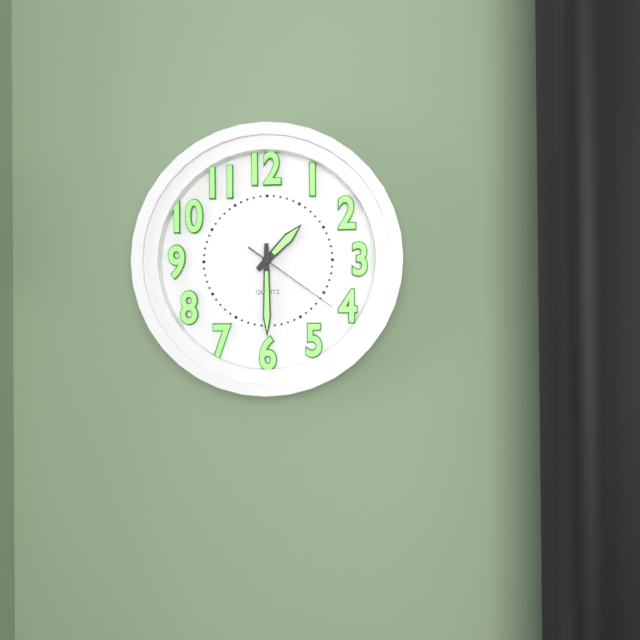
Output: h=1 m=30 s=21
